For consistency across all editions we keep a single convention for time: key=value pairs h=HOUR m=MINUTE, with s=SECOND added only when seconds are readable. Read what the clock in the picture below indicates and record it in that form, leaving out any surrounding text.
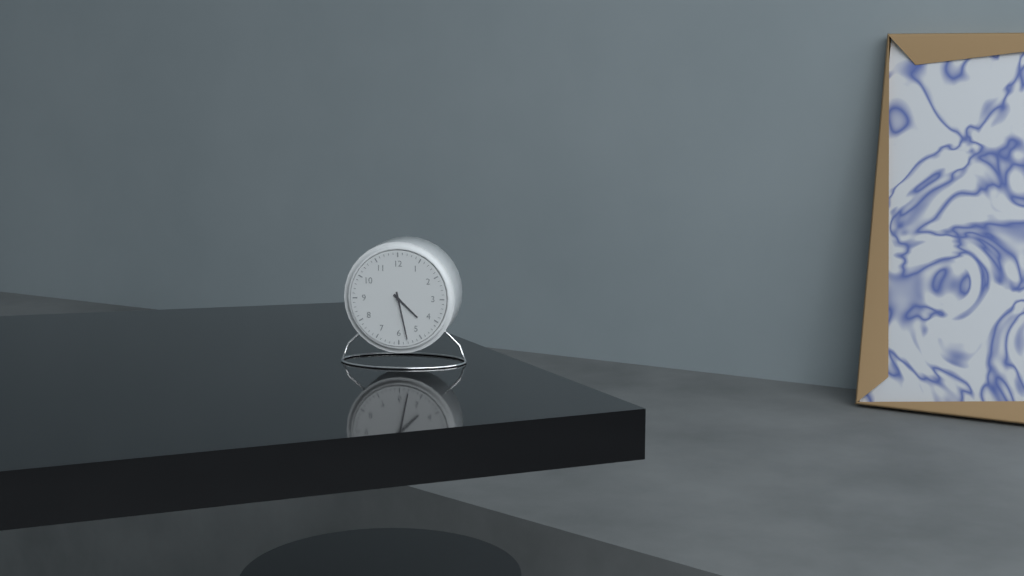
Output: h=4 m=28
